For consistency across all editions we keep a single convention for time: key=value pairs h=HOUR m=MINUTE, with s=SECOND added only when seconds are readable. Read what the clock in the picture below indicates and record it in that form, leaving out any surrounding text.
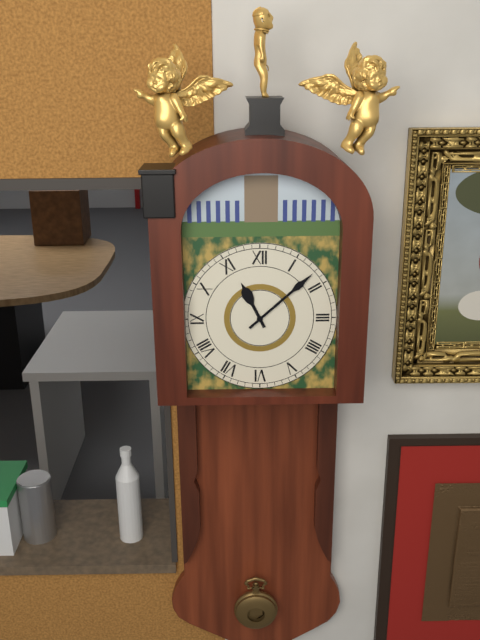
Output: h=11 m=8
